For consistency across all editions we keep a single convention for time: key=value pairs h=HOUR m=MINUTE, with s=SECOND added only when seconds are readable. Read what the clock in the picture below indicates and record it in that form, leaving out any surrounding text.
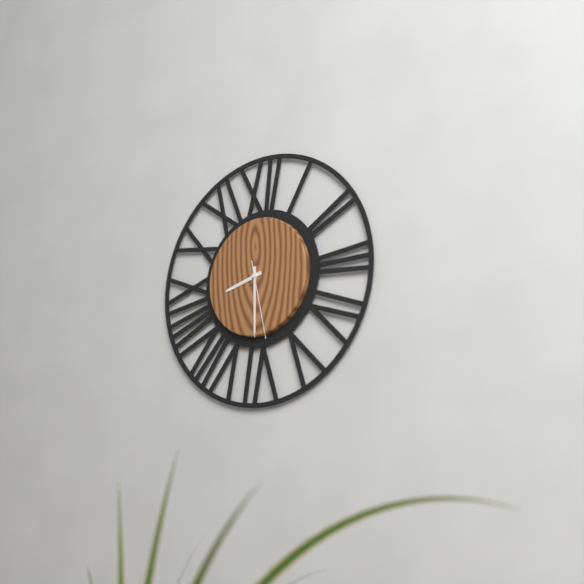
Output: h=8 m=30 s=28
